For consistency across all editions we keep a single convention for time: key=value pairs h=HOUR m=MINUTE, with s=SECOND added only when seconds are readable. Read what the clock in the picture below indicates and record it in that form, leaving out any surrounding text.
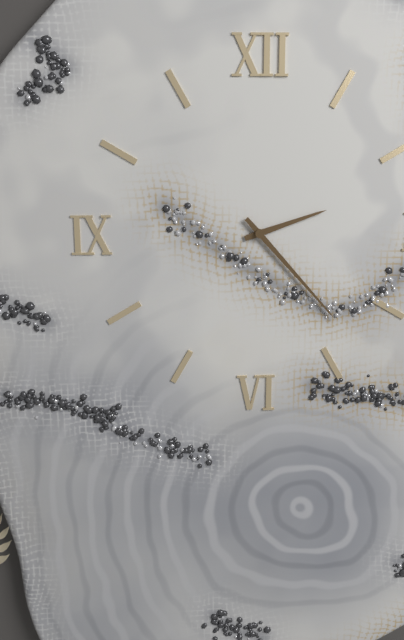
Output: h=2 m=23
